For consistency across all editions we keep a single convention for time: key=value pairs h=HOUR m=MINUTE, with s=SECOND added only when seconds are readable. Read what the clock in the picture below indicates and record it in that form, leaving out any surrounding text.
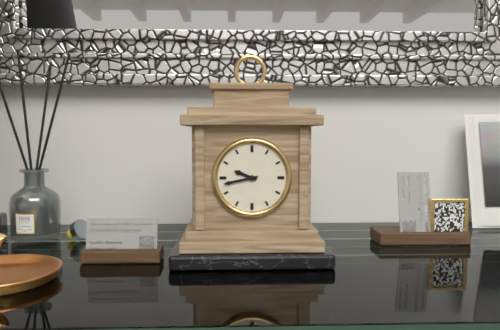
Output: h=9 m=43
